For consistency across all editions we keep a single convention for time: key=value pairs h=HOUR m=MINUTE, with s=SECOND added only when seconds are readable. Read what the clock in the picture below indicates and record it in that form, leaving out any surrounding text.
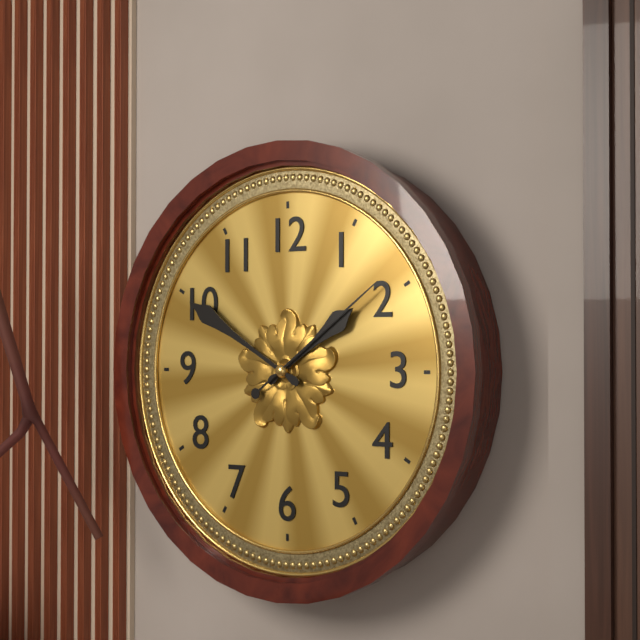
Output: h=1 m=50 s=9
